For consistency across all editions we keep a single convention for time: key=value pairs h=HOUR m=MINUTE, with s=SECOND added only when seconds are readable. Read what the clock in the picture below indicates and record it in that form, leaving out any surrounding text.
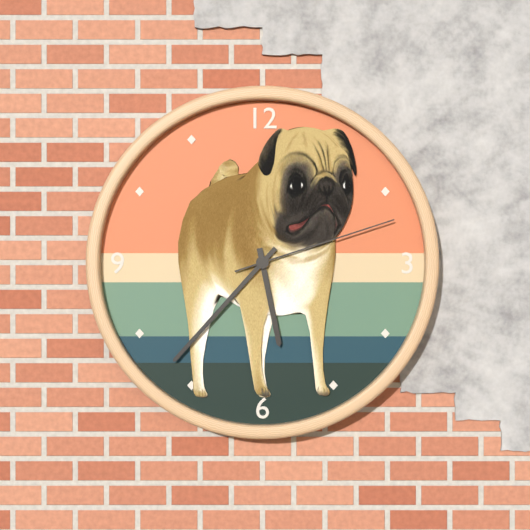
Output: h=5 m=37 s=12
